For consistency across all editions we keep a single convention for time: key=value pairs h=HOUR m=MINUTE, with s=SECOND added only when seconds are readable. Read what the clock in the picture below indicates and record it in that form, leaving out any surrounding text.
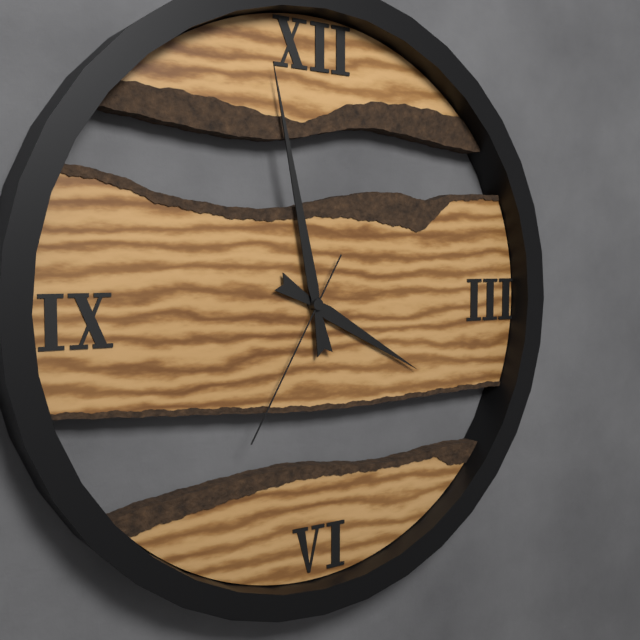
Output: h=3 m=58 s=35
